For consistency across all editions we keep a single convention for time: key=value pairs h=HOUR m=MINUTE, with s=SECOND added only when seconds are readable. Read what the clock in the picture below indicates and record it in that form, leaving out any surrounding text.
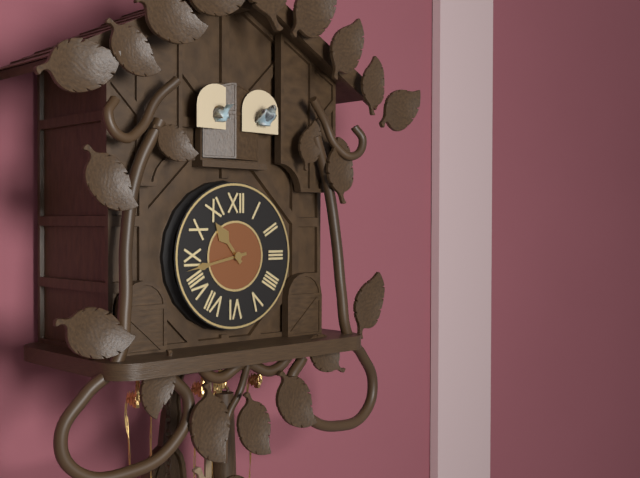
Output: h=10 m=43
